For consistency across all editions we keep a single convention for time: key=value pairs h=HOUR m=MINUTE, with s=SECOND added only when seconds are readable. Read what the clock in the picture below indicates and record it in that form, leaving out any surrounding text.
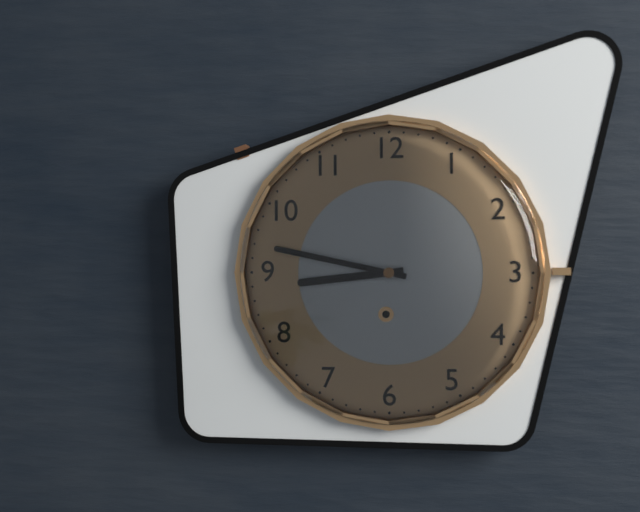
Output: h=8 m=47
